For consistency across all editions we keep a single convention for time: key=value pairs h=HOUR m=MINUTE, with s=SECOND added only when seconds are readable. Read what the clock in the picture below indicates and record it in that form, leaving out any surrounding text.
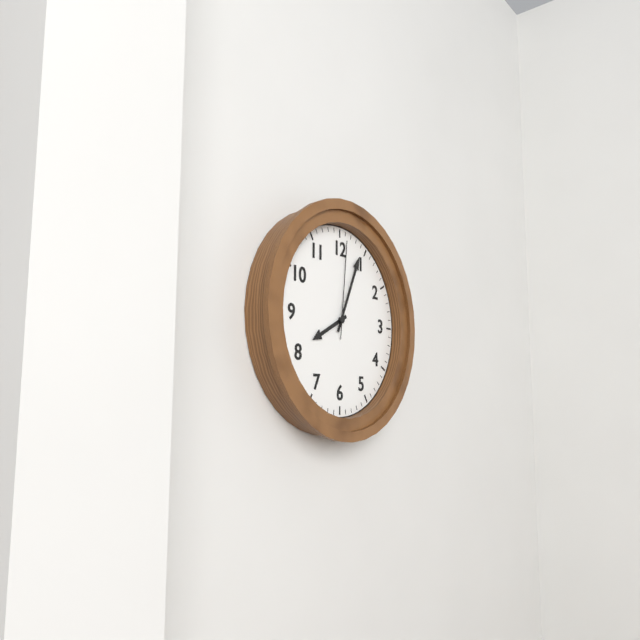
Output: h=8 m=4 s=1
